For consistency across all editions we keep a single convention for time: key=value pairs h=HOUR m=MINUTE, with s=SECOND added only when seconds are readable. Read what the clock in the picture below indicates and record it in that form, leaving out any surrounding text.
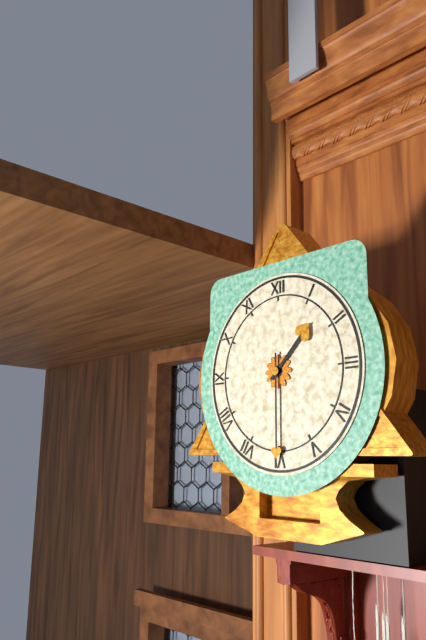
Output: h=1 m=30
